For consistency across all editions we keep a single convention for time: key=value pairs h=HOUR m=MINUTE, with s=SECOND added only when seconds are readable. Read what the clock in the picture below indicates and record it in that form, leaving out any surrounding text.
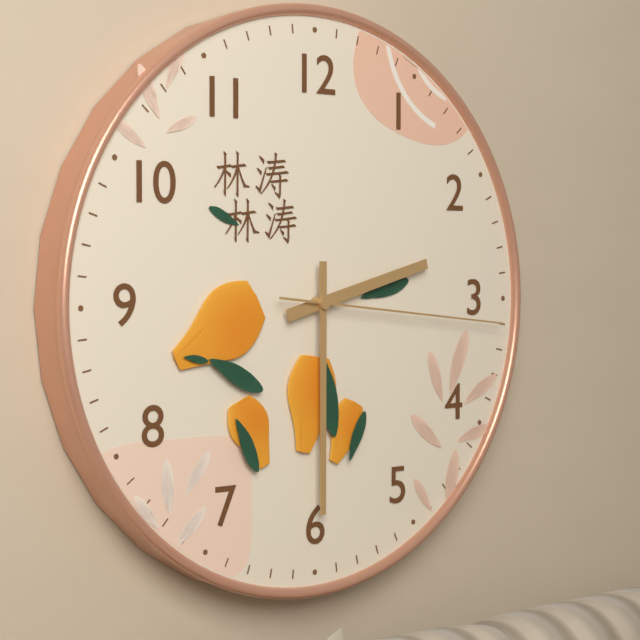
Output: h=2 m=30 s=16
